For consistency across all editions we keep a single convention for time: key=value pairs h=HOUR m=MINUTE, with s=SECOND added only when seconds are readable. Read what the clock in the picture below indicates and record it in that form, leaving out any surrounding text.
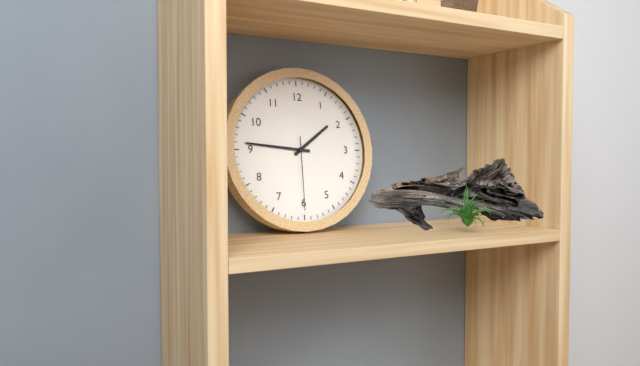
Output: h=1 m=46 s=30
